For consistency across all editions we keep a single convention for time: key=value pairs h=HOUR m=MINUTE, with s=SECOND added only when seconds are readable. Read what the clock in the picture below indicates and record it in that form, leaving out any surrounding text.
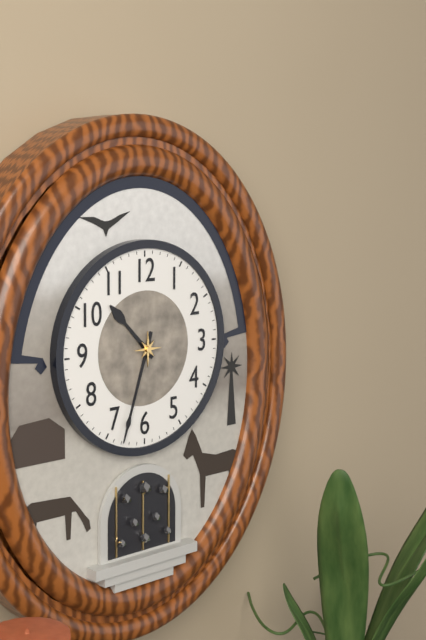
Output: h=10 m=33
